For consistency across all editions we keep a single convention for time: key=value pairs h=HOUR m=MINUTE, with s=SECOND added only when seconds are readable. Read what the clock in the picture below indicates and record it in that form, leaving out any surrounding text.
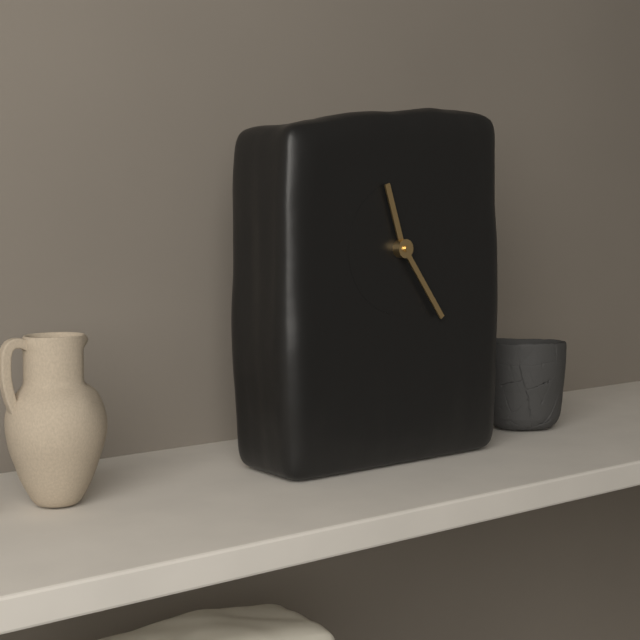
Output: h=11 m=24
